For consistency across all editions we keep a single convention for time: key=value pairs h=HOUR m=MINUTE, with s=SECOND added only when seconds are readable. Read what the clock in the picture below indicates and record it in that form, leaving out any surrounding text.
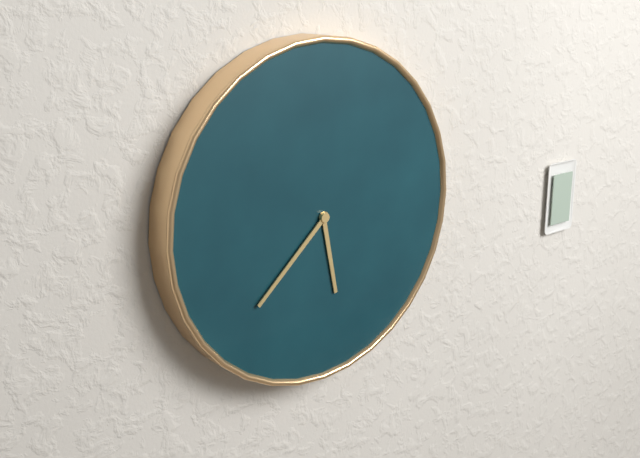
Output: h=5 m=38
